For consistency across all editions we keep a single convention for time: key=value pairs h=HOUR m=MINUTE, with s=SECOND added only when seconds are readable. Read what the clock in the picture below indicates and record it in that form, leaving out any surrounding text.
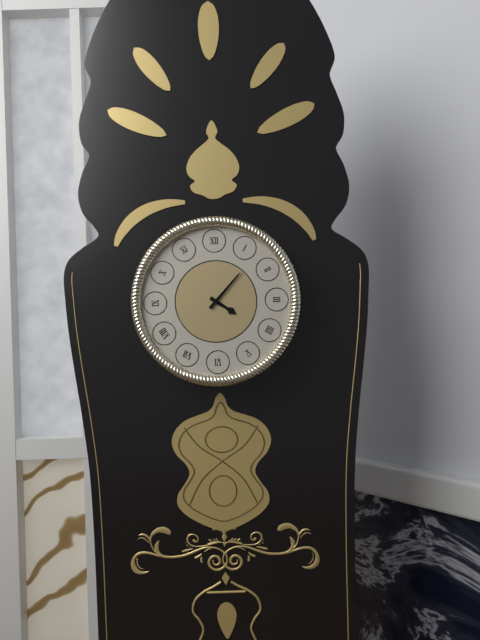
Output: h=4 m=7
